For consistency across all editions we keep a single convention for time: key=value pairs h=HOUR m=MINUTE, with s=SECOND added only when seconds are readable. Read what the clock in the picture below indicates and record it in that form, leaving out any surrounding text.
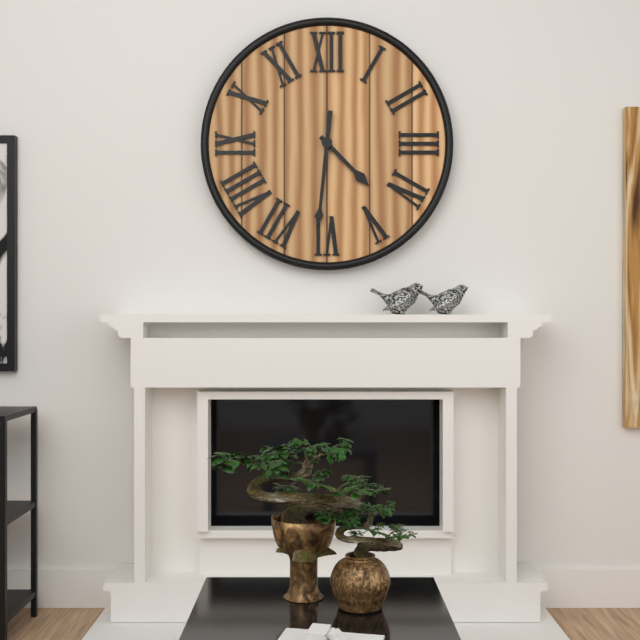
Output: h=4 m=31
